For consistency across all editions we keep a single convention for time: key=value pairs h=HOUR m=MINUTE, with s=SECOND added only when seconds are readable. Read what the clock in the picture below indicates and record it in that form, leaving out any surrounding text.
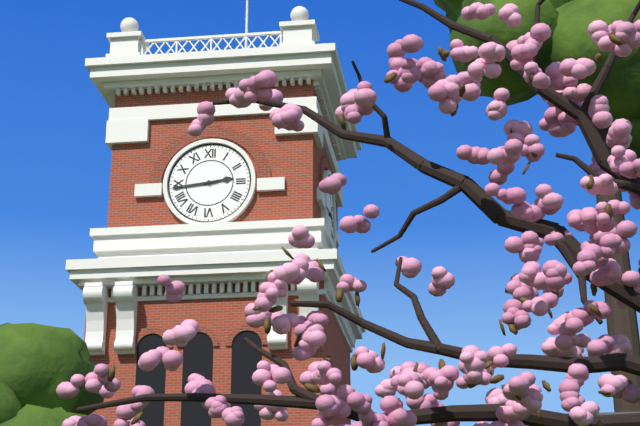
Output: h=2 m=44
